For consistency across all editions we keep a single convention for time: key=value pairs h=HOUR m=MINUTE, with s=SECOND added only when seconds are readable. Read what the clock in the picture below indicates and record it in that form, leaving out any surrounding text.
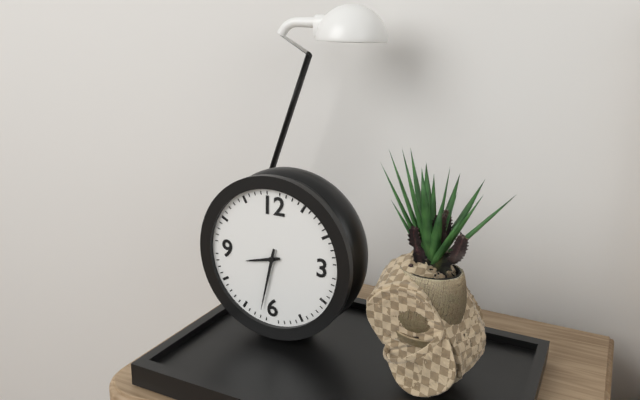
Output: h=8 m=32
